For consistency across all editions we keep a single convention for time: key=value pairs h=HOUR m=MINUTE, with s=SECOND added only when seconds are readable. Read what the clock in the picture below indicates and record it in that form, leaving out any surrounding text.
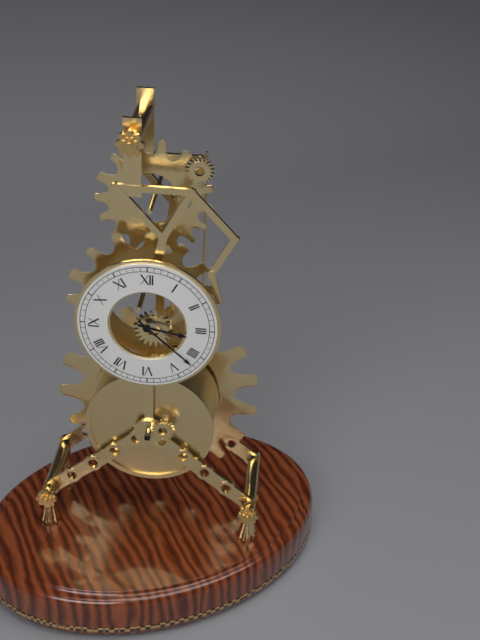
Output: h=3 m=22
